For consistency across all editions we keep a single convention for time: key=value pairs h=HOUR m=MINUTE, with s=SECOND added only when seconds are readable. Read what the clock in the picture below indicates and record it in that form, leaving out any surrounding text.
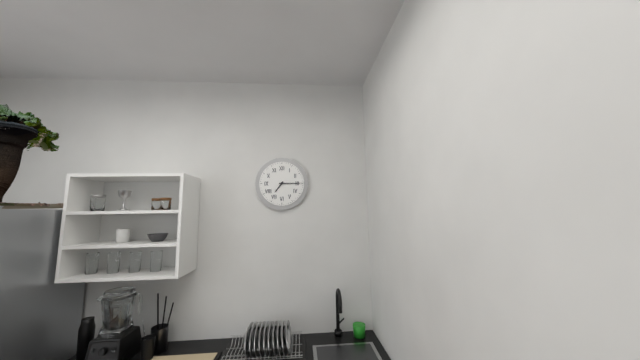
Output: h=7 m=15
